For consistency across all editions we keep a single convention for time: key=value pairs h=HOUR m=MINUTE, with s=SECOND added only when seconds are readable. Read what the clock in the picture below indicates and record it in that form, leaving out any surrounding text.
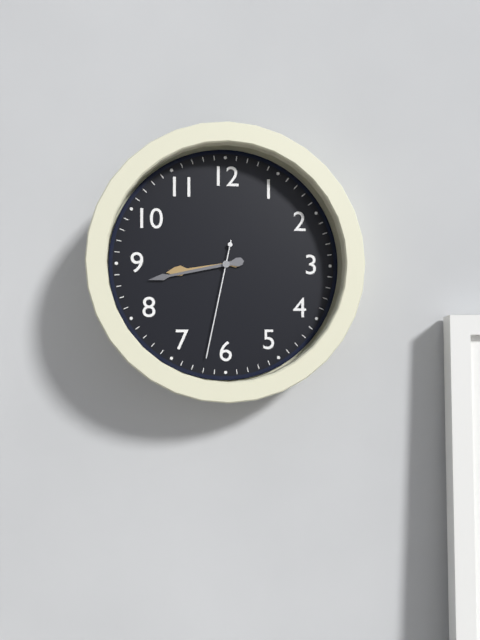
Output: h=8 m=43 s=32
